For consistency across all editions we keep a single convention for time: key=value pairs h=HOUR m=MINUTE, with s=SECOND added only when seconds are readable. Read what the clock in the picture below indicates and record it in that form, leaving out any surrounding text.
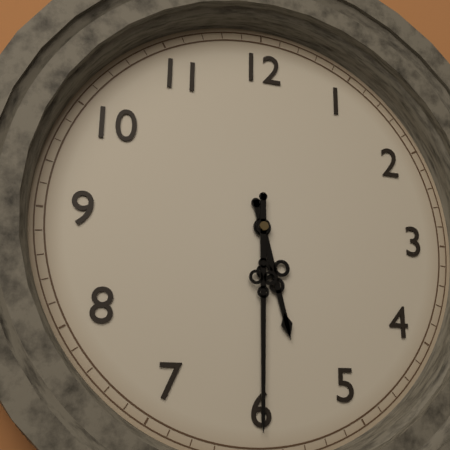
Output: h=5 m=30
